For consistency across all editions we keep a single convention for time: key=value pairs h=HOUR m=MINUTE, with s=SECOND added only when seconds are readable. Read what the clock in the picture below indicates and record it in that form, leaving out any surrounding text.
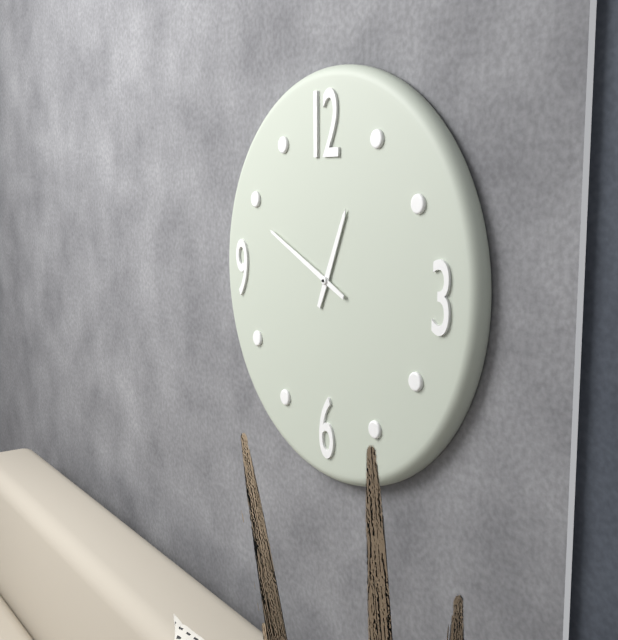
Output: h=12 m=49
